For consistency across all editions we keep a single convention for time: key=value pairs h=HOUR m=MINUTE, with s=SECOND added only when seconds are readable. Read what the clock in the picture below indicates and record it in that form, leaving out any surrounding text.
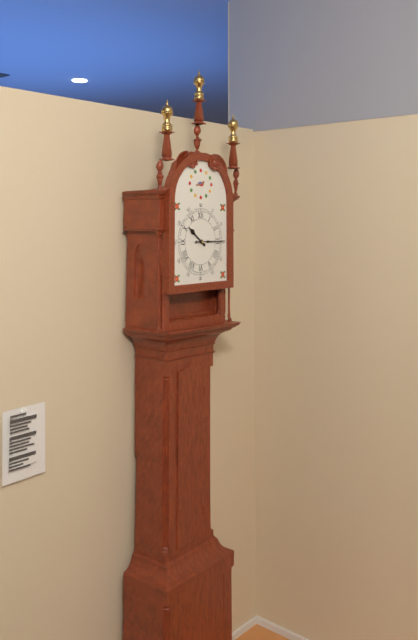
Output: h=10 m=15
